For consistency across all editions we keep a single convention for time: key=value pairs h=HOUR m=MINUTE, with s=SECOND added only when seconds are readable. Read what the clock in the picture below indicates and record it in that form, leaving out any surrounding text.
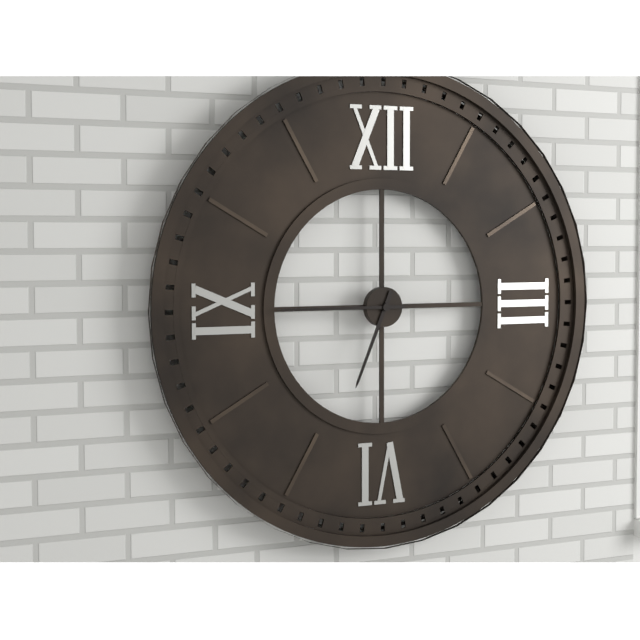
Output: h=6 m=45
